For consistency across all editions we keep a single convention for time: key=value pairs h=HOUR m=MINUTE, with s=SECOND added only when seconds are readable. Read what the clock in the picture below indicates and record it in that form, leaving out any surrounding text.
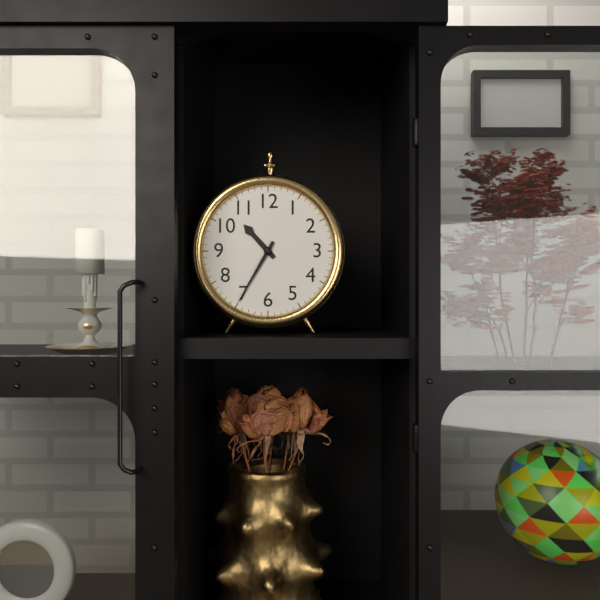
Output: h=10 m=35
